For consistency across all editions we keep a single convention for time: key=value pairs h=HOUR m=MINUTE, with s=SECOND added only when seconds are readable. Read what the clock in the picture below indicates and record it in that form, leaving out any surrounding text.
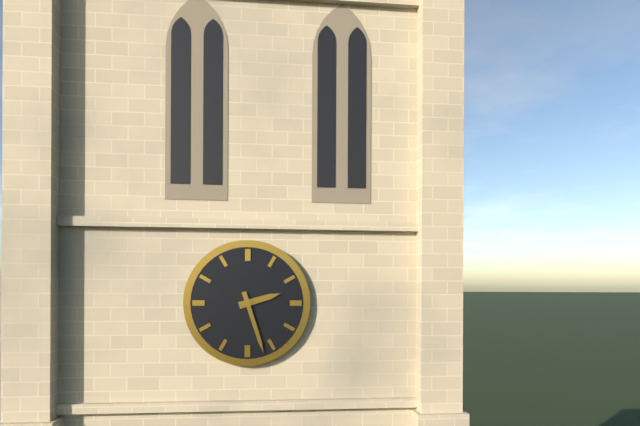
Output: h=2 m=27
